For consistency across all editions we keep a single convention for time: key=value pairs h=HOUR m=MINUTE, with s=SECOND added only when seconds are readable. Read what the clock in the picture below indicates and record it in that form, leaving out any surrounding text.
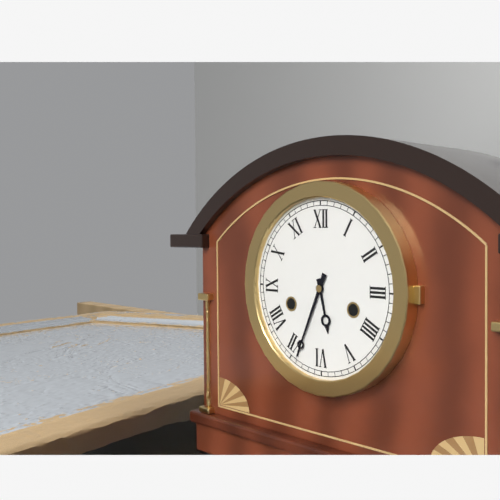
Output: h=5 m=34
